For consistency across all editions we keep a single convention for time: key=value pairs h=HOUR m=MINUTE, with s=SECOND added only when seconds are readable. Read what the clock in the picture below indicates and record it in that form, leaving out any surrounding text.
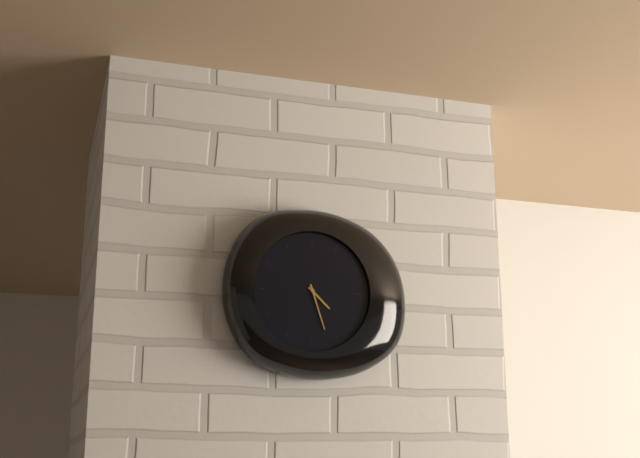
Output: h=4 m=27
